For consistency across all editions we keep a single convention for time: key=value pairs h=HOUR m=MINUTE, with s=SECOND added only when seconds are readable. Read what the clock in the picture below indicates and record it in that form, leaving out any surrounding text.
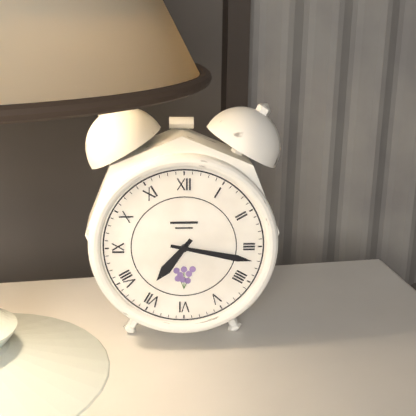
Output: h=7 m=17
